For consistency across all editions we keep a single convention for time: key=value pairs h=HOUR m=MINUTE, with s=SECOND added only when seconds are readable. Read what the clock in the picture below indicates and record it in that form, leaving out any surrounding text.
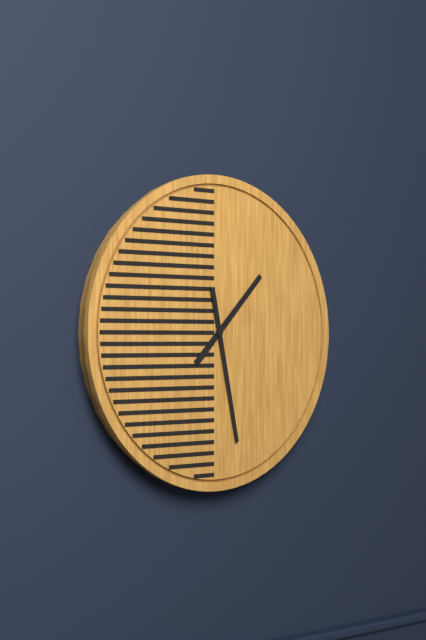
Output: h=1 m=28
